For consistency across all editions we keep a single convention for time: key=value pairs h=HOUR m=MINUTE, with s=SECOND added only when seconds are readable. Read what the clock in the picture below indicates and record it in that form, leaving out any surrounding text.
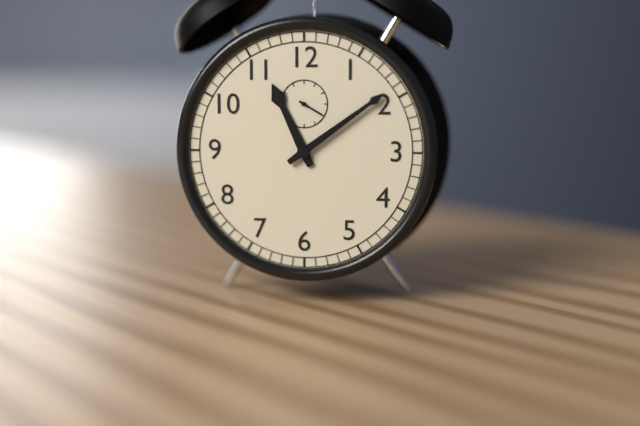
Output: h=11 m=9
